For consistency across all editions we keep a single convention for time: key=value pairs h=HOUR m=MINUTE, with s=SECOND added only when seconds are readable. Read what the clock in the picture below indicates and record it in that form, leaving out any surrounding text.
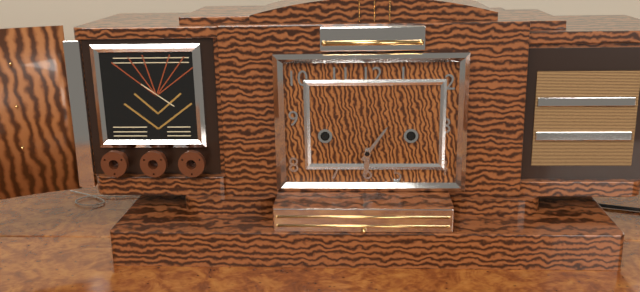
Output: h=6 m=6
